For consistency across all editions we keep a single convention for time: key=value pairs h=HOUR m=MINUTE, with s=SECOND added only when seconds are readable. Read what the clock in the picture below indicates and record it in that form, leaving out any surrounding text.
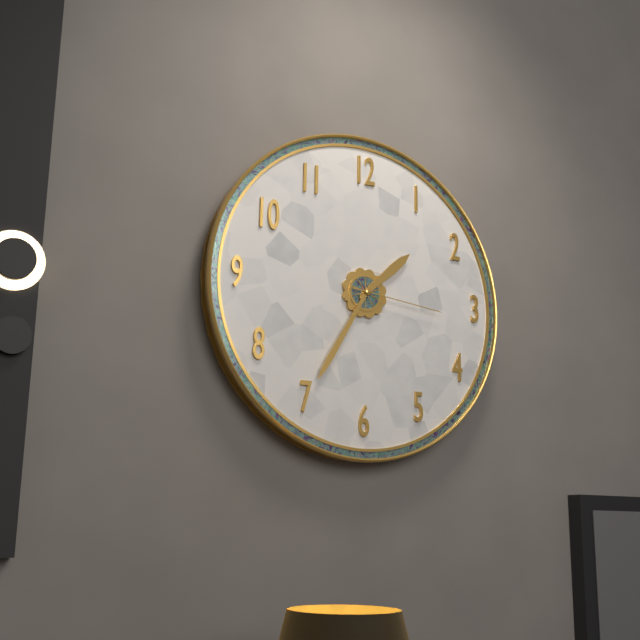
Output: h=1 m=35 s=16
